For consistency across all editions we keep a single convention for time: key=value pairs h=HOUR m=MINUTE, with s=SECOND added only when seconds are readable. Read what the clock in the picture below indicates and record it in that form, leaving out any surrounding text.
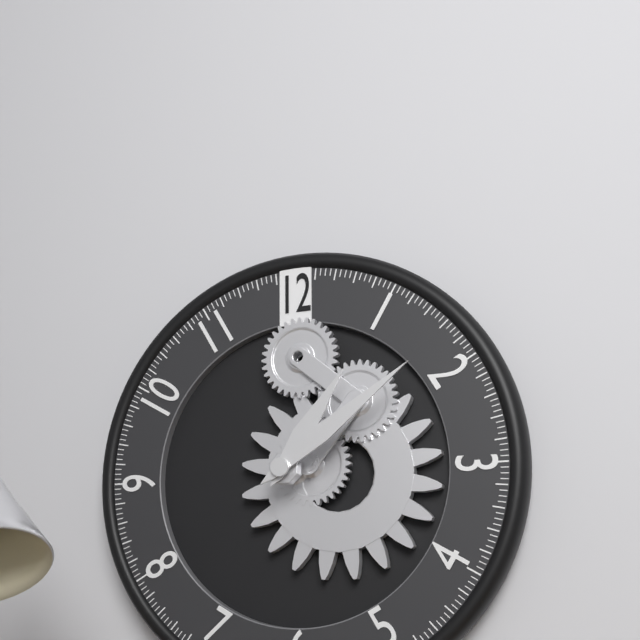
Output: h=1 m=9
